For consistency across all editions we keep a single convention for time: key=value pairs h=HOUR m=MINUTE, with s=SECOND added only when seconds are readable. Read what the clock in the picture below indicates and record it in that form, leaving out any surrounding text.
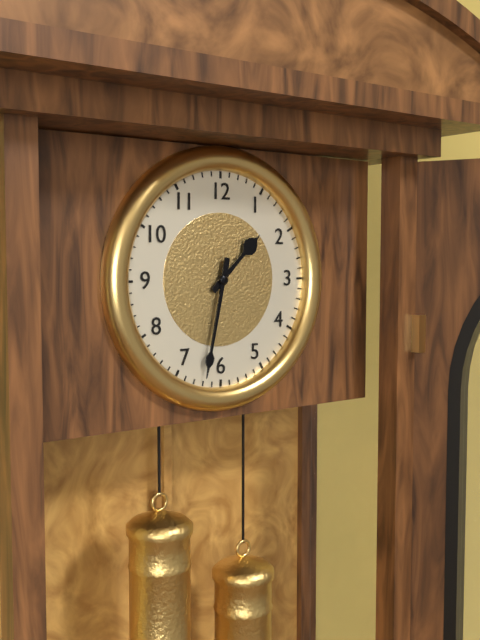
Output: h=1 m=32
